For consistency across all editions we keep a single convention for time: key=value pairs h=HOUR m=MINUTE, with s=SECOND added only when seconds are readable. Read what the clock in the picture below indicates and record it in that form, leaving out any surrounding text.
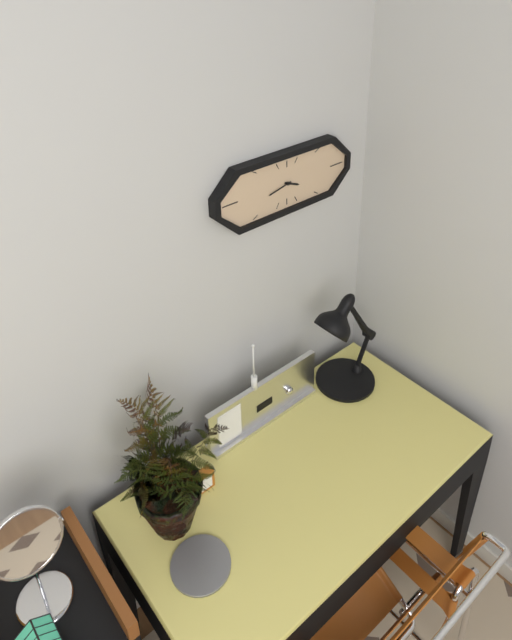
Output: h=3 m=43
